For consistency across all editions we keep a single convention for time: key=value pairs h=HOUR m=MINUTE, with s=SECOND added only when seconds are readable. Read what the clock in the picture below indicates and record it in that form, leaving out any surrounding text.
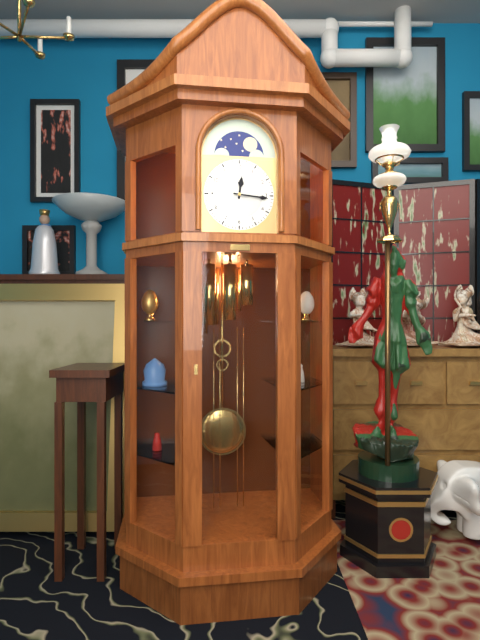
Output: h=12 m=16
